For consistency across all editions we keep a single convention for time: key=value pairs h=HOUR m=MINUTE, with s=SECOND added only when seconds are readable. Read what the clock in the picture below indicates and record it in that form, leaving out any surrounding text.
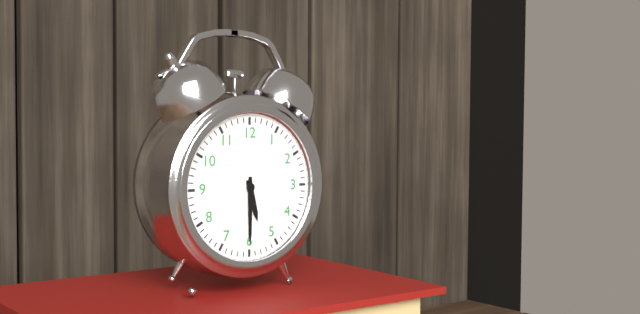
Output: h=5 m=30
